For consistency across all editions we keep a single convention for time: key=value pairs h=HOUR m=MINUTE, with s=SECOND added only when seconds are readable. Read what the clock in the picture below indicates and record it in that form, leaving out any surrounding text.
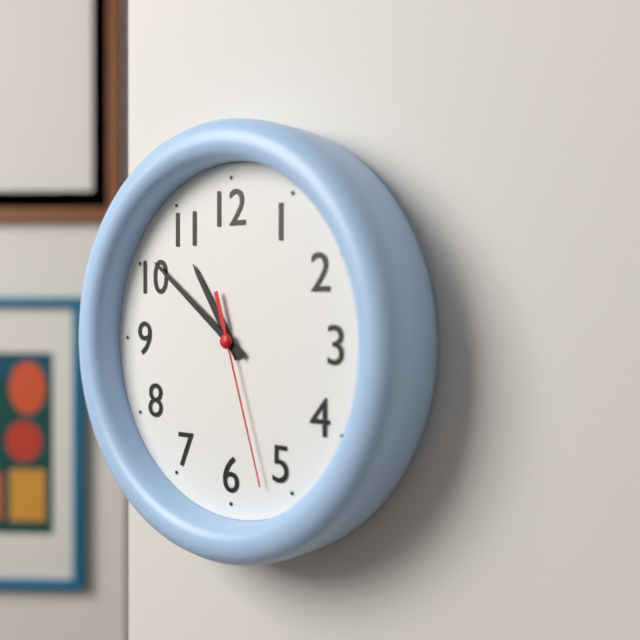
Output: h=10 m=51 s=27
